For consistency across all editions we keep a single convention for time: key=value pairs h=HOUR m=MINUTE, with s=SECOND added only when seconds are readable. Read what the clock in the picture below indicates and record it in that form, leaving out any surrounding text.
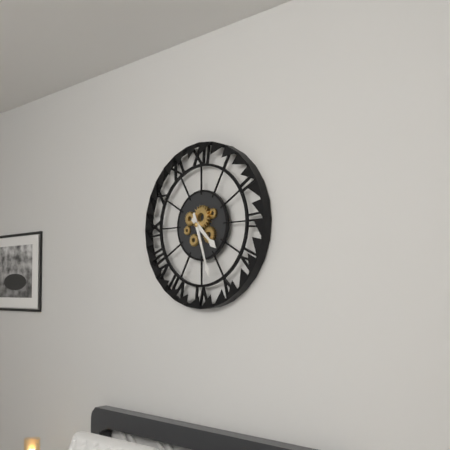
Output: h=4 m=27
